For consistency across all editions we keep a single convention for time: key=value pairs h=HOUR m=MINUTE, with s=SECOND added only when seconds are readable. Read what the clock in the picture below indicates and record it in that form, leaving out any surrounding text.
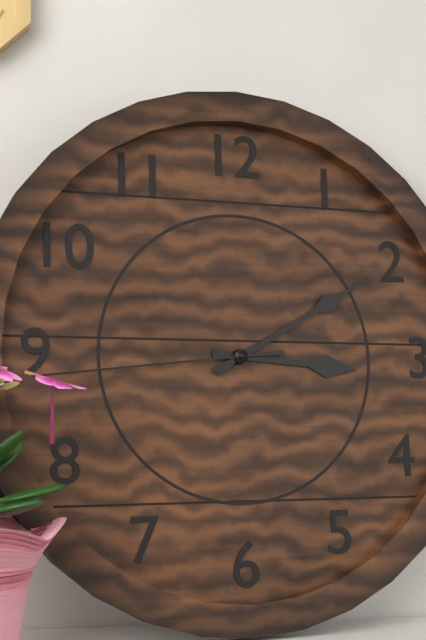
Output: h=3 m=10 s=44
